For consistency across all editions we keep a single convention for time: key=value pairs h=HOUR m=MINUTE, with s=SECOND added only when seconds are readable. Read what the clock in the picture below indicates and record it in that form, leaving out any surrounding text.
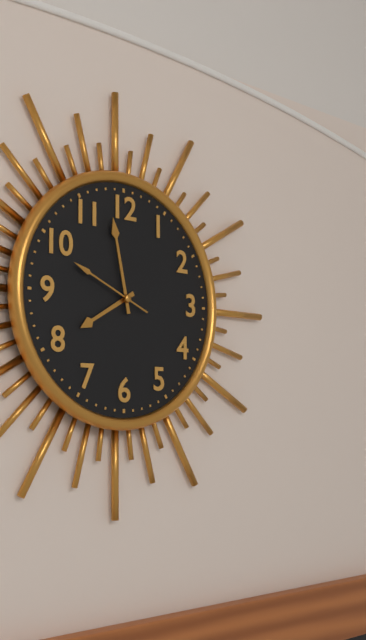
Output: h=7 m=58 s=49
